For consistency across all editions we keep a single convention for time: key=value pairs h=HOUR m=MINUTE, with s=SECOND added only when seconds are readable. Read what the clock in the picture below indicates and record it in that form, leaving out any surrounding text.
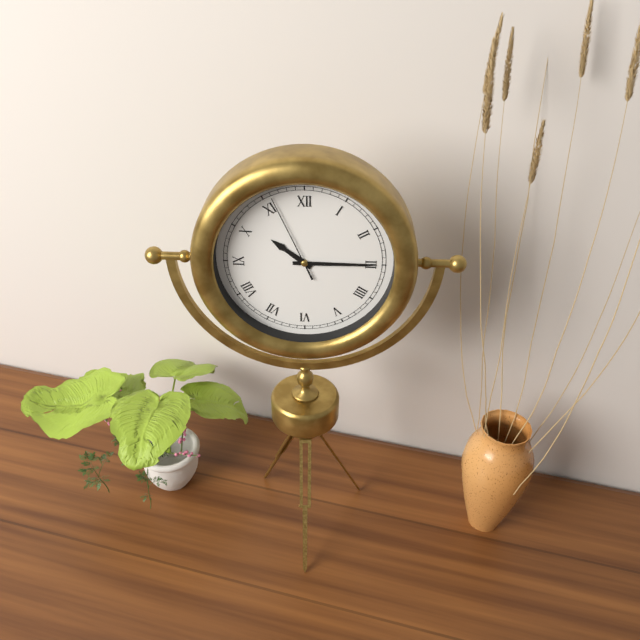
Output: h=10 m=15 s=56
